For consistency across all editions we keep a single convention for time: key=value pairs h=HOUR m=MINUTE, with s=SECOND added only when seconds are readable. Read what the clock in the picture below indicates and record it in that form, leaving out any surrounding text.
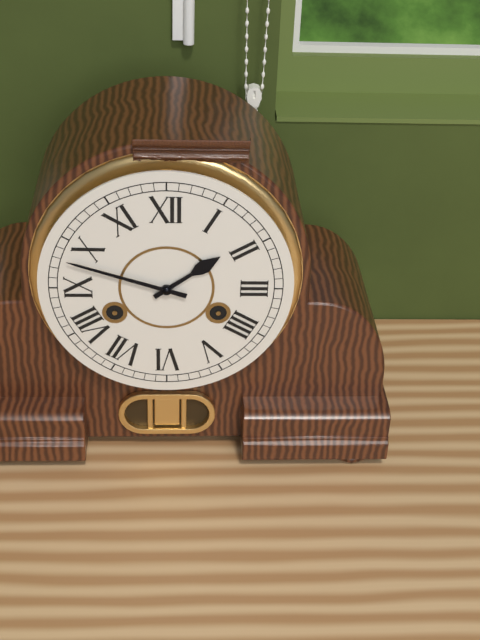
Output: h=1 m=48
